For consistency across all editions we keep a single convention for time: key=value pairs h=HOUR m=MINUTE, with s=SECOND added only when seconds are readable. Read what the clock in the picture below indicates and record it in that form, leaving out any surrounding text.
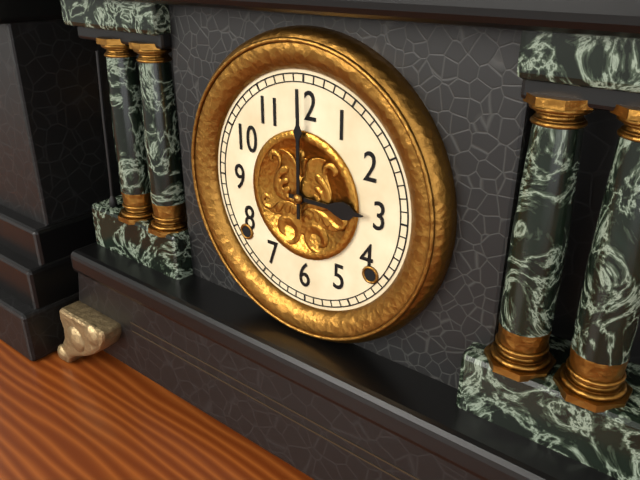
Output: h=3 m=0
